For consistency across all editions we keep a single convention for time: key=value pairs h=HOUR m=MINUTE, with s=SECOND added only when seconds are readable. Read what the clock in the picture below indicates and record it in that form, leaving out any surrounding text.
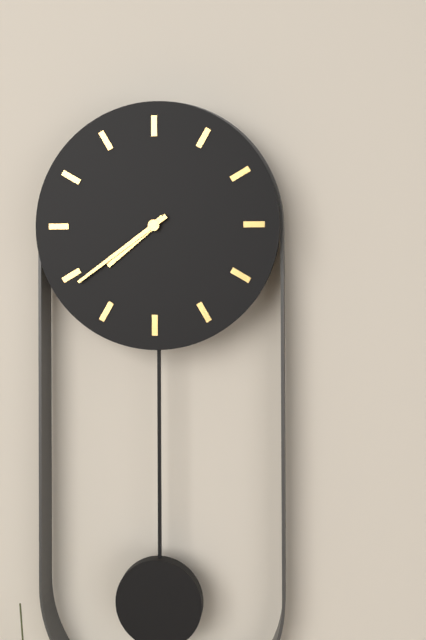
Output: h=7 m=39
